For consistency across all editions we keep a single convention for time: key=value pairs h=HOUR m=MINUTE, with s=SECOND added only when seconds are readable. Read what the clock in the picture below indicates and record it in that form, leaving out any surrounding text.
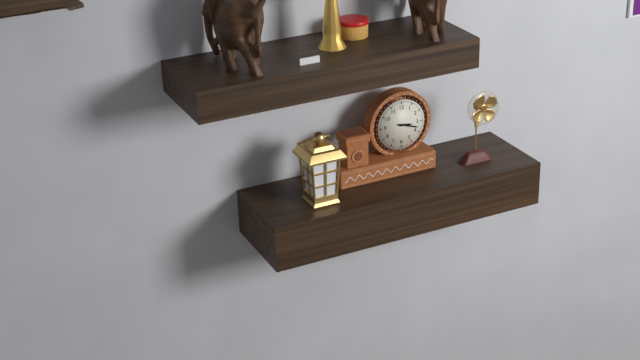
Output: h=3 m=18
